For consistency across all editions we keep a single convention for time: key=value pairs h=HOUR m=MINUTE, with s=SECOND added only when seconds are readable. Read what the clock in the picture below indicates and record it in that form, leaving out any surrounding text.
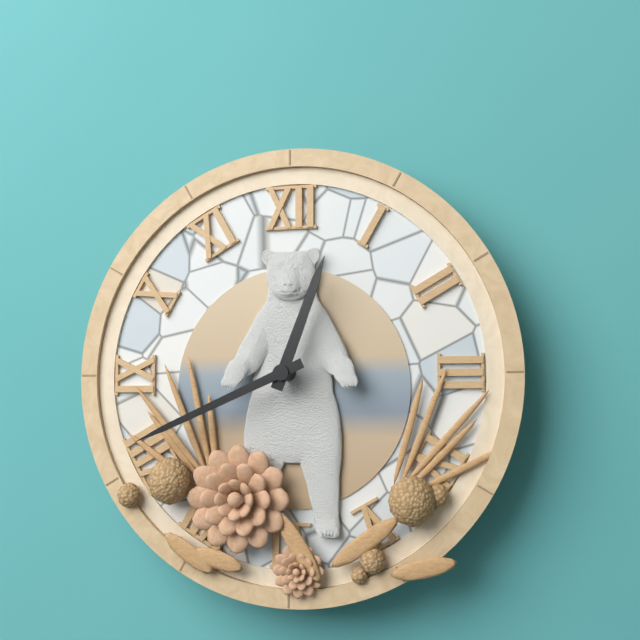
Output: h=12 m=41
